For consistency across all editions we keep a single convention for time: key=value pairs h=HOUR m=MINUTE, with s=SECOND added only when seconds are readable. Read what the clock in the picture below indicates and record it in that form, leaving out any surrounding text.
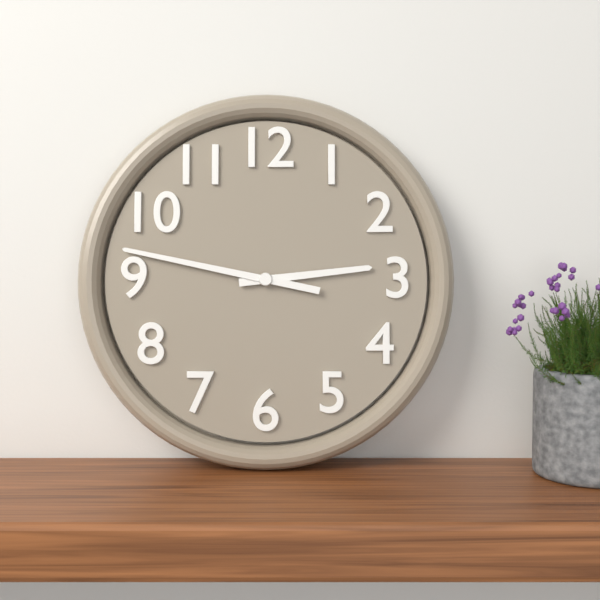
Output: h=2 m=47
